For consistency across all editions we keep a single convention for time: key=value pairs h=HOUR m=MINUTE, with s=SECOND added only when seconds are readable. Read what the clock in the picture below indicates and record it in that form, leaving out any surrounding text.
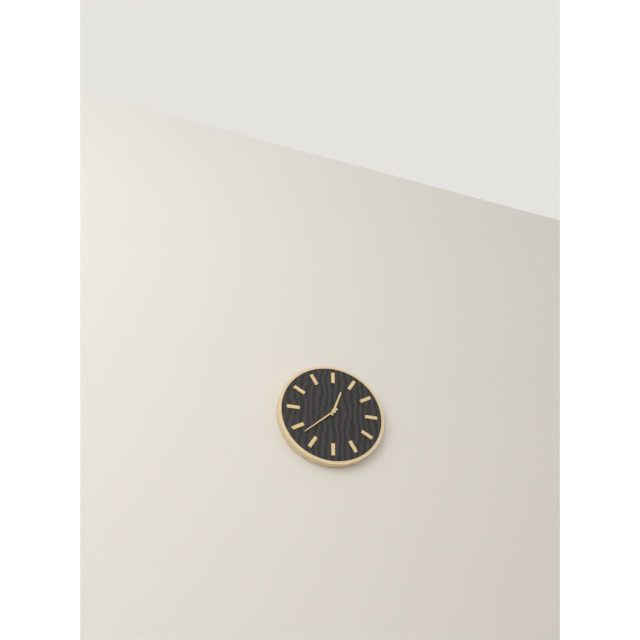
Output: h=12 m=38
